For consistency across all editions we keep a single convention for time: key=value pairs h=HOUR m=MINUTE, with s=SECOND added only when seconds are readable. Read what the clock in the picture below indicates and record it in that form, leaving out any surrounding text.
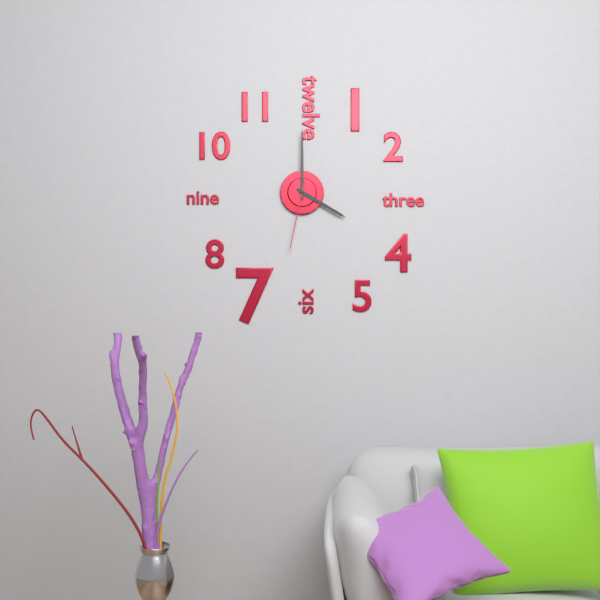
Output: h=4 m=0 s=32
